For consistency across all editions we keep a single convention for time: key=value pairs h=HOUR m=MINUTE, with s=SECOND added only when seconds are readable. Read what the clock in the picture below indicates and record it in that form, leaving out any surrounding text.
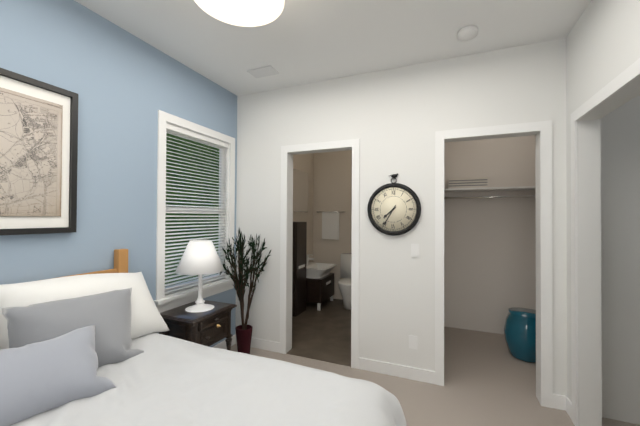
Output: h=7 m=35
